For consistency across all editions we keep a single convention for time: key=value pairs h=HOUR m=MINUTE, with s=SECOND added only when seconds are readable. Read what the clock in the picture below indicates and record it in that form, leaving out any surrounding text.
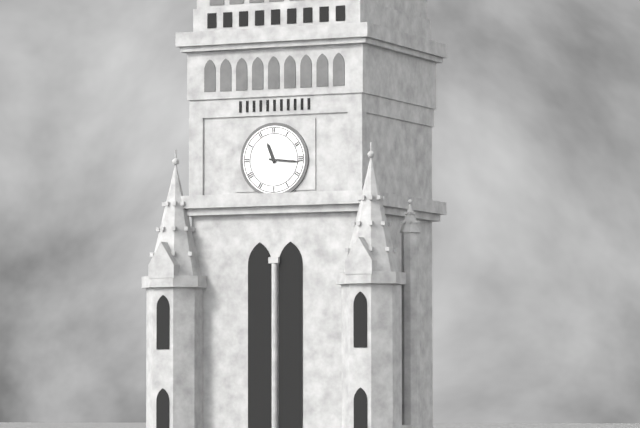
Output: h=11 m=16
